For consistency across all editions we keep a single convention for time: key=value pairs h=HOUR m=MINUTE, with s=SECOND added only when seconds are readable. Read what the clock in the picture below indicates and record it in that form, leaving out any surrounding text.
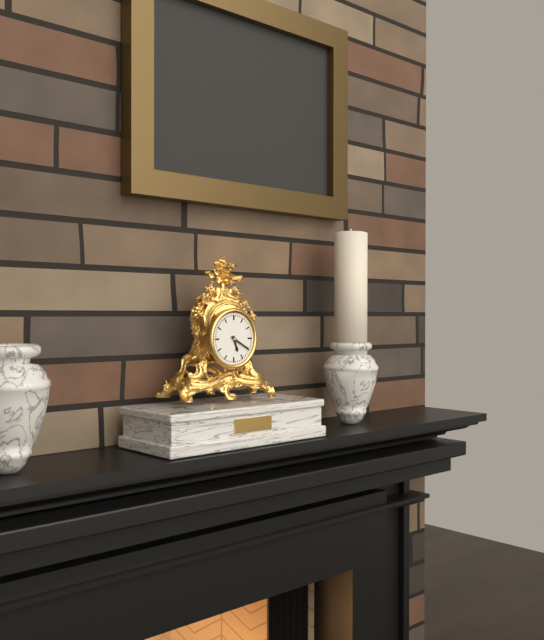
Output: h=5 m=20
